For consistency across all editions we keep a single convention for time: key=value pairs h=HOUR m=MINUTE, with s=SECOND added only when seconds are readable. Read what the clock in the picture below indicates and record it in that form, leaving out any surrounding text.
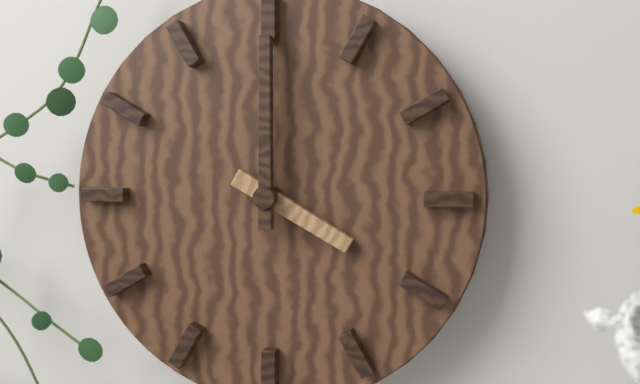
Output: h=4 m=0
